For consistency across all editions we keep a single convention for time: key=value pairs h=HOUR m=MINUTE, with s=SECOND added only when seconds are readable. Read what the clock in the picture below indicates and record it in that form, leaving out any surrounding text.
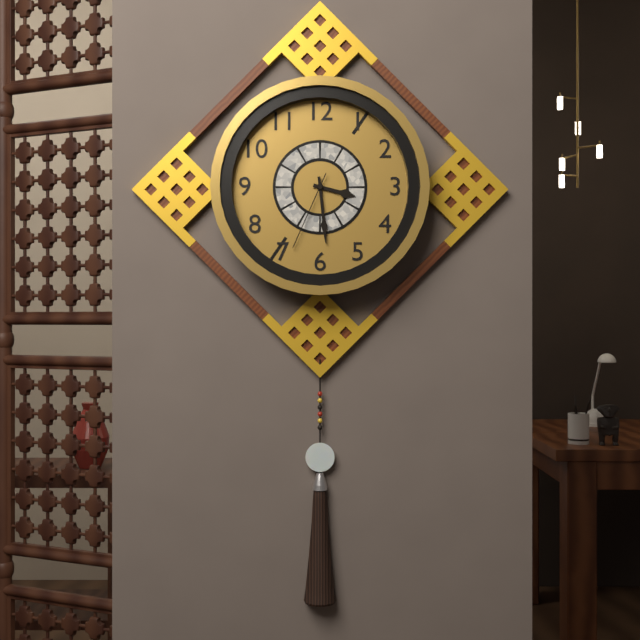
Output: h=3 m=29 s=34
